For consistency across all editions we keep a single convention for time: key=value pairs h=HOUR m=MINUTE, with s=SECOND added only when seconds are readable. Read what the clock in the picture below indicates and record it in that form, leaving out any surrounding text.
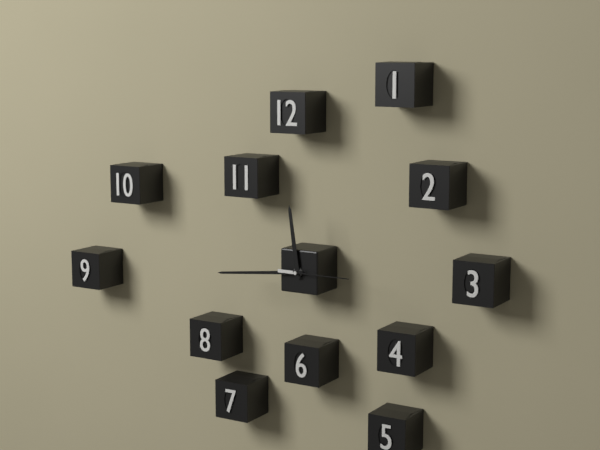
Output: h=11 m=44 s=15
